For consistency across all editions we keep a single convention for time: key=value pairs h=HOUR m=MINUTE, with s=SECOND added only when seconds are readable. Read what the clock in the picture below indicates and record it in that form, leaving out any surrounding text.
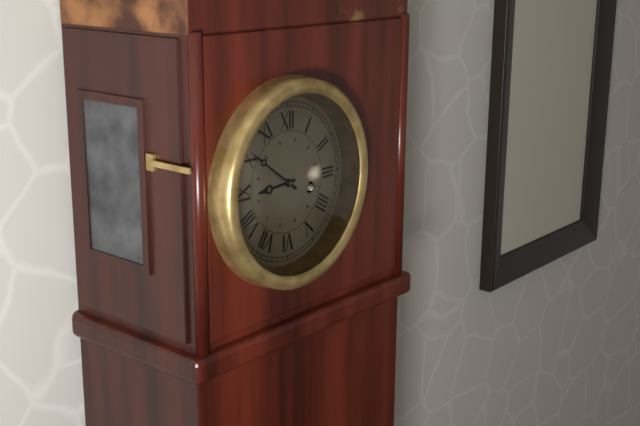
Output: h=8 m=51
